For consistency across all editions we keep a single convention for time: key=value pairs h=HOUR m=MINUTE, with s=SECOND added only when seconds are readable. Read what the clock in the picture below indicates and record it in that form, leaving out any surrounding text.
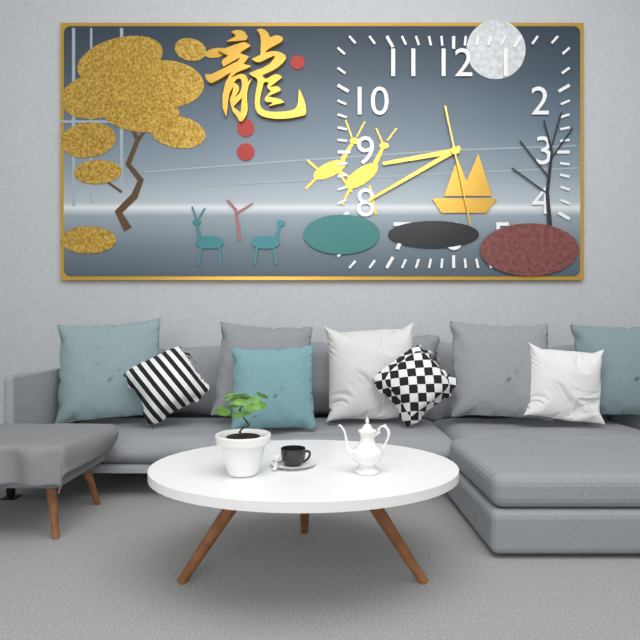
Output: h=8 m=40 s=28
